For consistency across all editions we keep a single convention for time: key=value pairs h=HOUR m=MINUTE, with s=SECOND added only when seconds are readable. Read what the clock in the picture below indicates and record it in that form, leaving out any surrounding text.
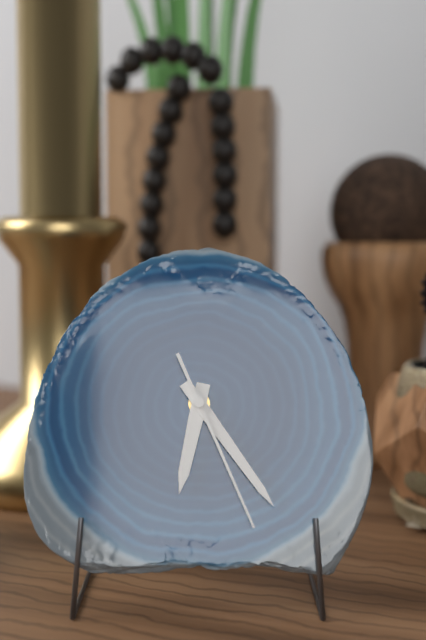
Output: h=6 m=24 s=26
